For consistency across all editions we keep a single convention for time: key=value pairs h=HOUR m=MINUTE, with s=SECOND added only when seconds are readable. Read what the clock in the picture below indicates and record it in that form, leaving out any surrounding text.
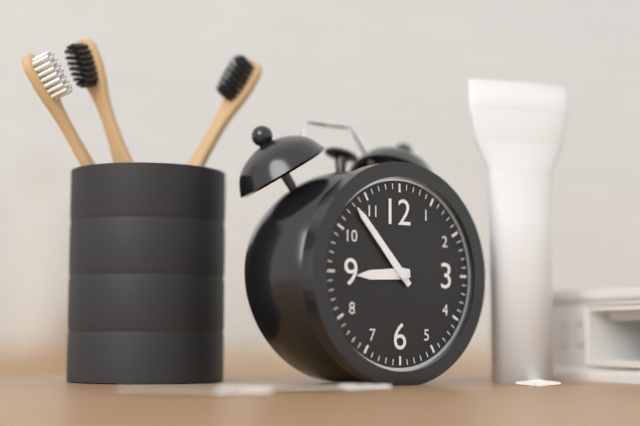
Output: h=8 m=53
